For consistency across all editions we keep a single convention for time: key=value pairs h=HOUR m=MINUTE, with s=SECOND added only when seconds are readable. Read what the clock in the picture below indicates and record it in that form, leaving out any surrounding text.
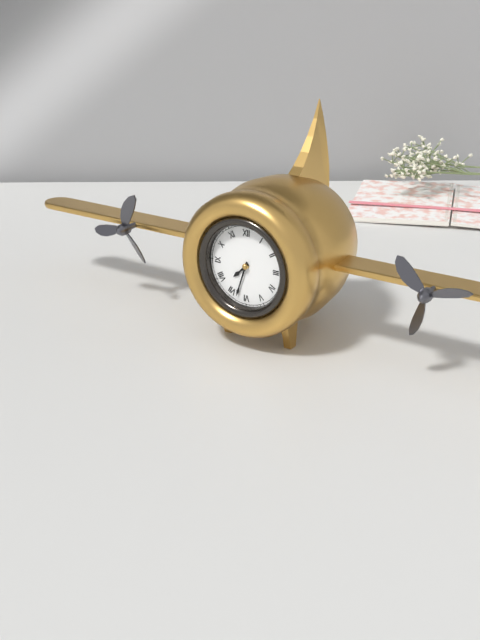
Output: h=7 m=33
